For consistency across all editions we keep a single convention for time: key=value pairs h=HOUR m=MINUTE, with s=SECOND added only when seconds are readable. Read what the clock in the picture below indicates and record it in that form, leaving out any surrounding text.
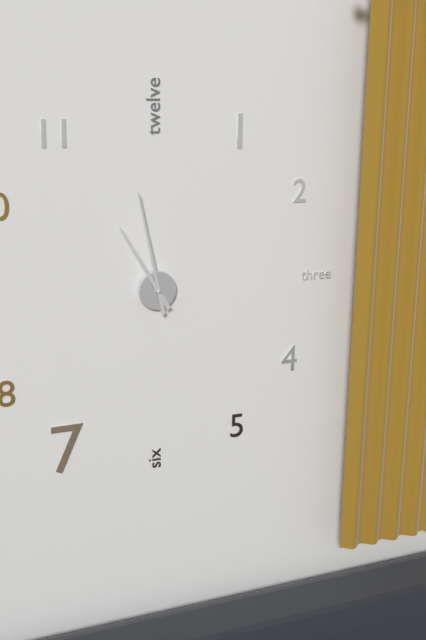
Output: h=10 m=58
